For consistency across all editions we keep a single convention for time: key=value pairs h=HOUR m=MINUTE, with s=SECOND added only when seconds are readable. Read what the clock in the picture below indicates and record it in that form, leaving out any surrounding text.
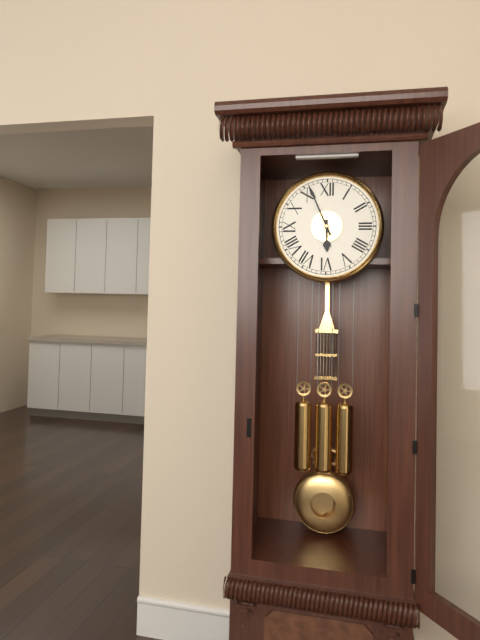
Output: h=5 m=56
